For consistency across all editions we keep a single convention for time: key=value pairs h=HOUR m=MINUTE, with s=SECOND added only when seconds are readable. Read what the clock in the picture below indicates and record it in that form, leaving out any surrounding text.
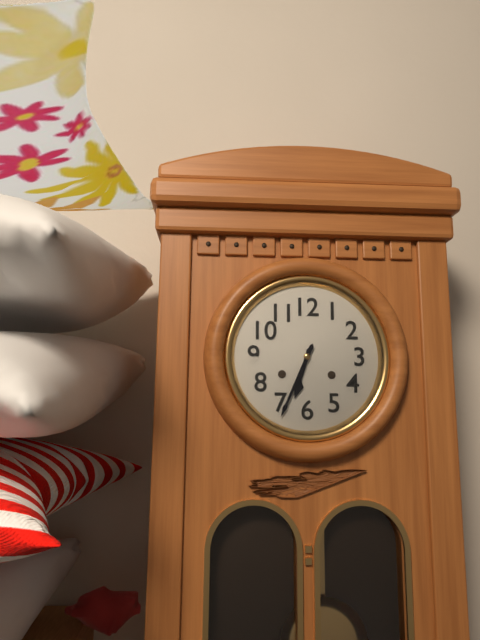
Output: h=6 m=34
